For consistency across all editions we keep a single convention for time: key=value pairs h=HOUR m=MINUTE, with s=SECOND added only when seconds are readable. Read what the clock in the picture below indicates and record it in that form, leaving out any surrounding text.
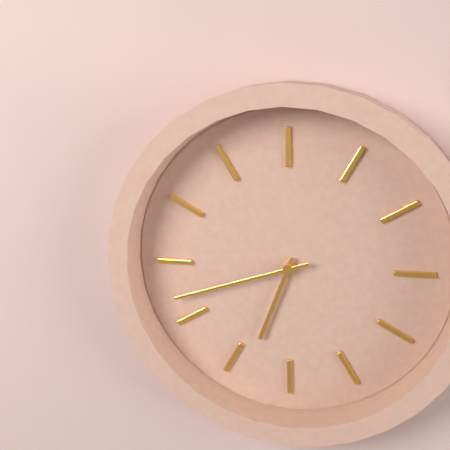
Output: h=6 m=42
